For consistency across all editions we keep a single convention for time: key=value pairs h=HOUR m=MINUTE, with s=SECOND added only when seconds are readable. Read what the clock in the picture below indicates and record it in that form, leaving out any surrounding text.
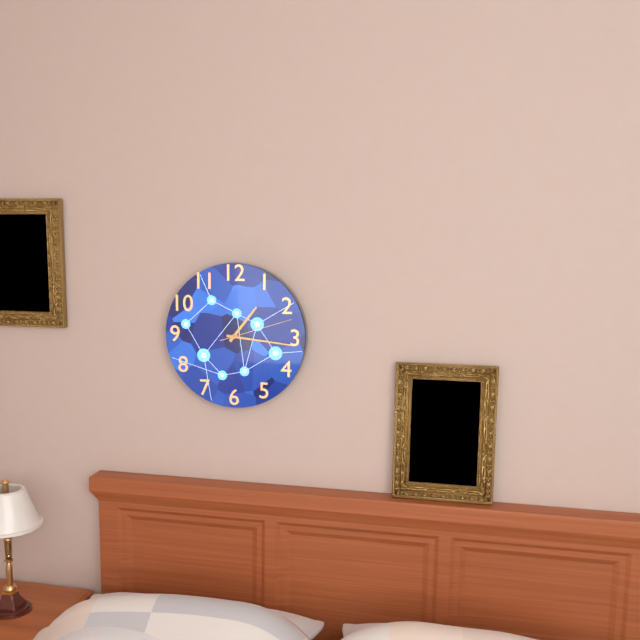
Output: h=1 m=16 s=12
